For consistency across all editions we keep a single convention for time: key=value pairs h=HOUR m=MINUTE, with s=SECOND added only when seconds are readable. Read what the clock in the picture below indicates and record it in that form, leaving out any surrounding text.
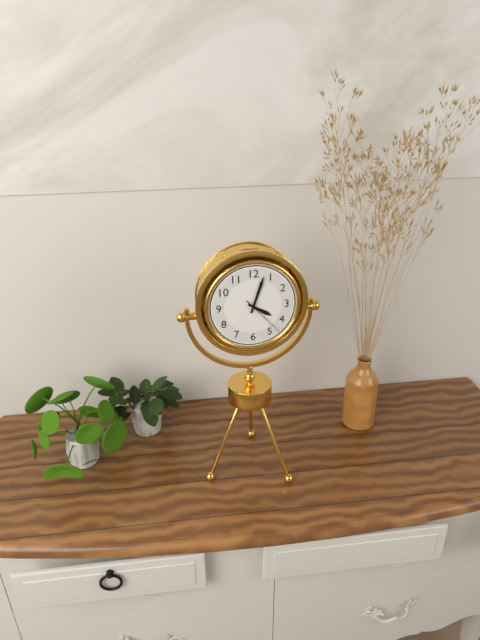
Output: h=4 m=3
